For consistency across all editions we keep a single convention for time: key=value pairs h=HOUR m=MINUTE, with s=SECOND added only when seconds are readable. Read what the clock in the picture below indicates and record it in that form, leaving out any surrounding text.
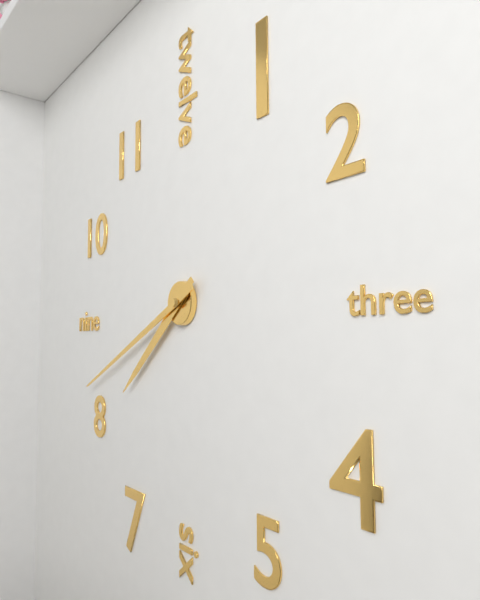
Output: h=7 m=41
